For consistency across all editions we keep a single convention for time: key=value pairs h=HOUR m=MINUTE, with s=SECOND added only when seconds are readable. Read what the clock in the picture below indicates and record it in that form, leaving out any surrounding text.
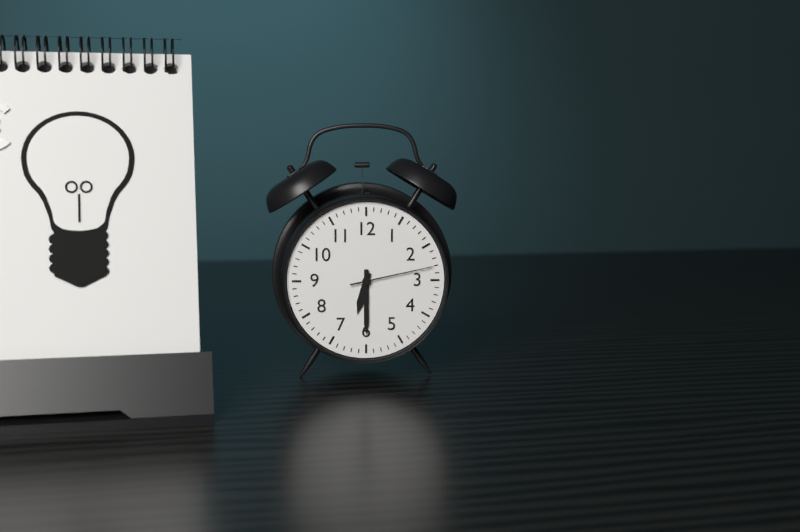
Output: h=6 m=30 s=13
